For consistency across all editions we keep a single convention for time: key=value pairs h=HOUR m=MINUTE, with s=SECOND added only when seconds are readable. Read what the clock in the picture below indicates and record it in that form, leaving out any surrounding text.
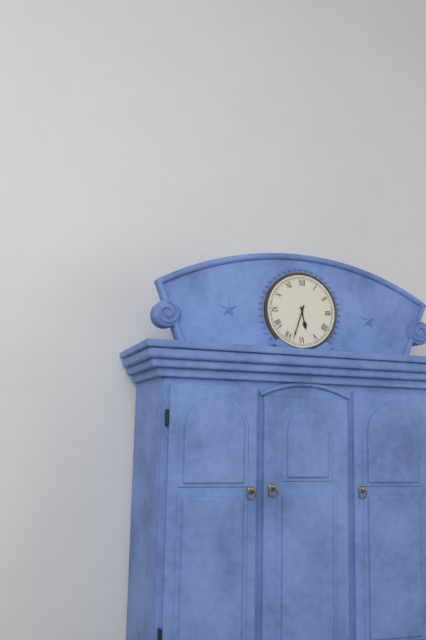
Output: h=5 m=33
